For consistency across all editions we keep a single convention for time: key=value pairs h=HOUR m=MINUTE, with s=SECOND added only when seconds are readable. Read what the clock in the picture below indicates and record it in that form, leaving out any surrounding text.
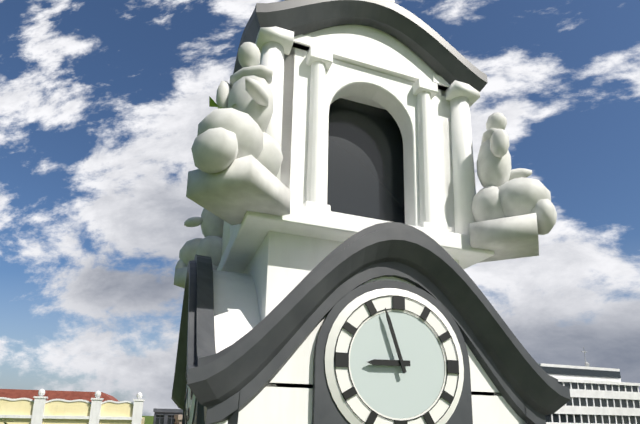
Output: h=8 m=57
